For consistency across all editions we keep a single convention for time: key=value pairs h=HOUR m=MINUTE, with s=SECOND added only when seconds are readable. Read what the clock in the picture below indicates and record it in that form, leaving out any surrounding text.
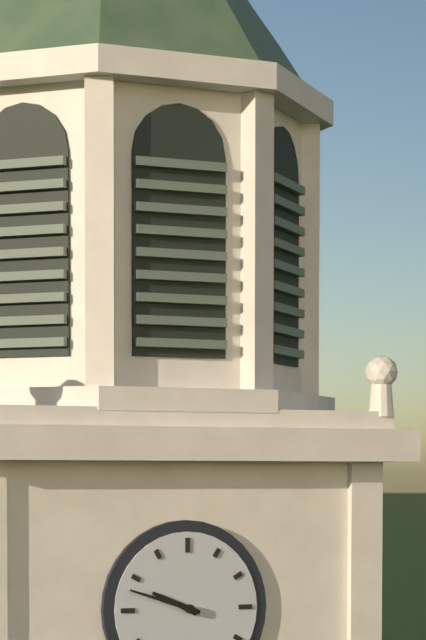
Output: h=9 m=48
